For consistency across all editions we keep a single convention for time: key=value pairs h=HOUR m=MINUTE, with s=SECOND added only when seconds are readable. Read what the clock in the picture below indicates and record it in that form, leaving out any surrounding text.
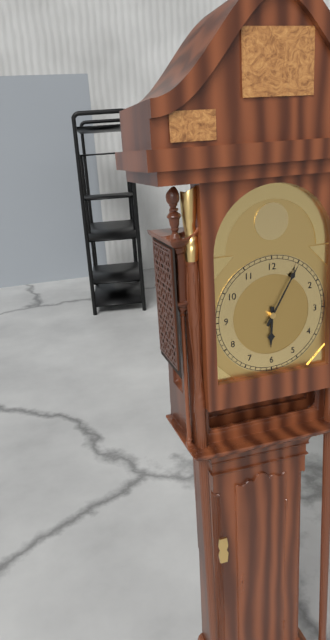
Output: h=6 m=5
